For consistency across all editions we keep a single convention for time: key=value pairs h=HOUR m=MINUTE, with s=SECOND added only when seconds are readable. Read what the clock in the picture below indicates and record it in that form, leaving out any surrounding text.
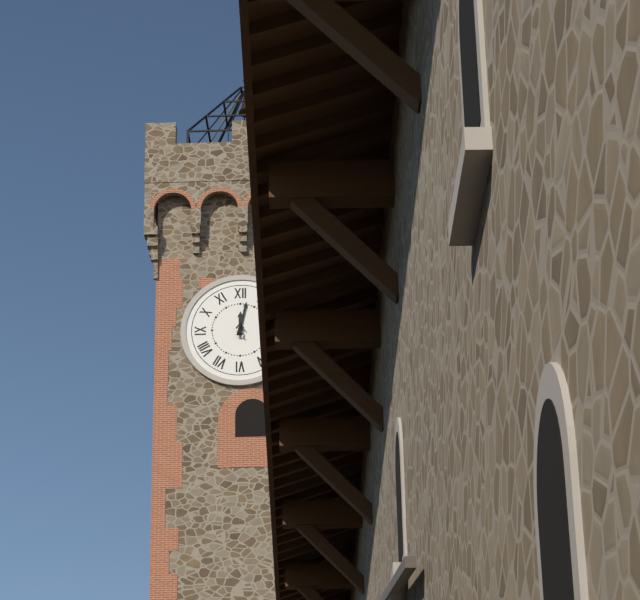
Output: h=12 m=2
